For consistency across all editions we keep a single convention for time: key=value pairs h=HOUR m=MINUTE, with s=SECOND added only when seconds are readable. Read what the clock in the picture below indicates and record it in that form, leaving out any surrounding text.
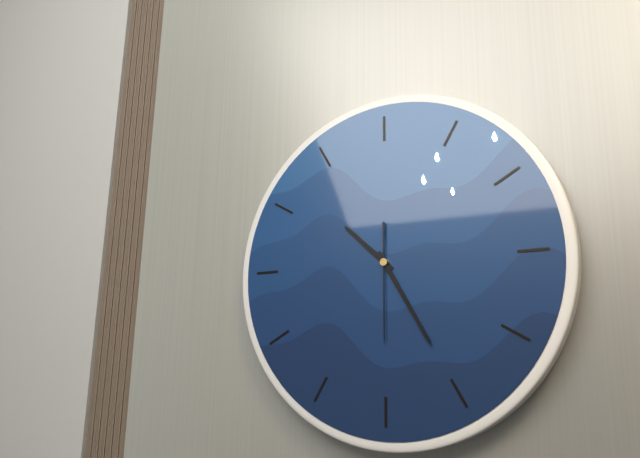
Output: h=10 m=25 s=30
